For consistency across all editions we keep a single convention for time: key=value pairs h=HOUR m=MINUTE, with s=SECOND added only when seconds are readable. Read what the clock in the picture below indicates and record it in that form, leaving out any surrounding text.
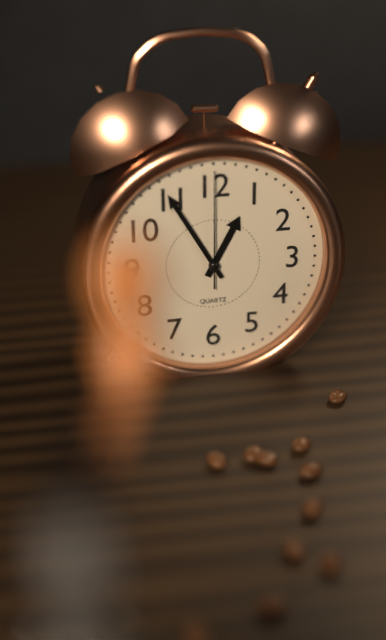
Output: h=12 m=55 s=0
